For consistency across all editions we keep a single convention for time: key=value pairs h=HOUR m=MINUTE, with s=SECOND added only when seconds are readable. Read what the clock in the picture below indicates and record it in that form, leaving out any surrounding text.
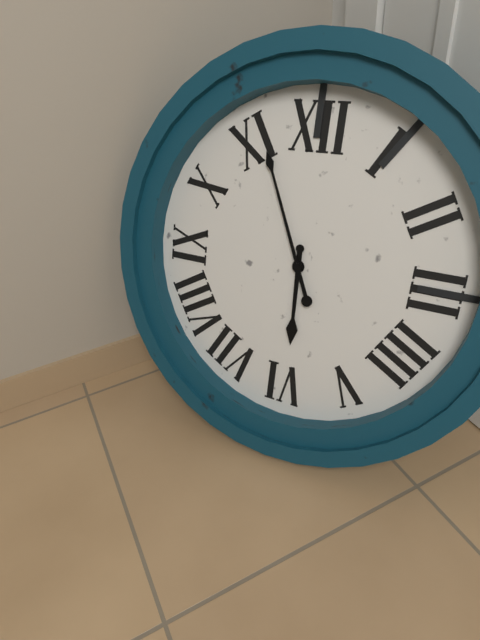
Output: h=5 m=56
